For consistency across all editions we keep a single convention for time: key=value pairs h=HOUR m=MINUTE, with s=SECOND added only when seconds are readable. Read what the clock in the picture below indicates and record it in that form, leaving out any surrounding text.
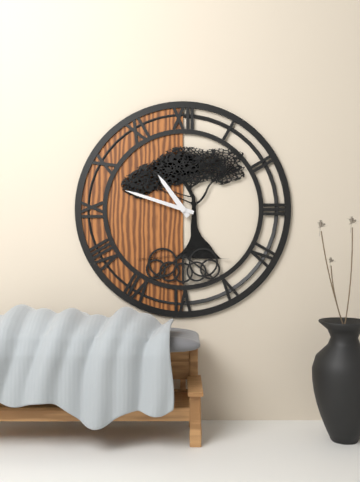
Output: h=10 m=48
